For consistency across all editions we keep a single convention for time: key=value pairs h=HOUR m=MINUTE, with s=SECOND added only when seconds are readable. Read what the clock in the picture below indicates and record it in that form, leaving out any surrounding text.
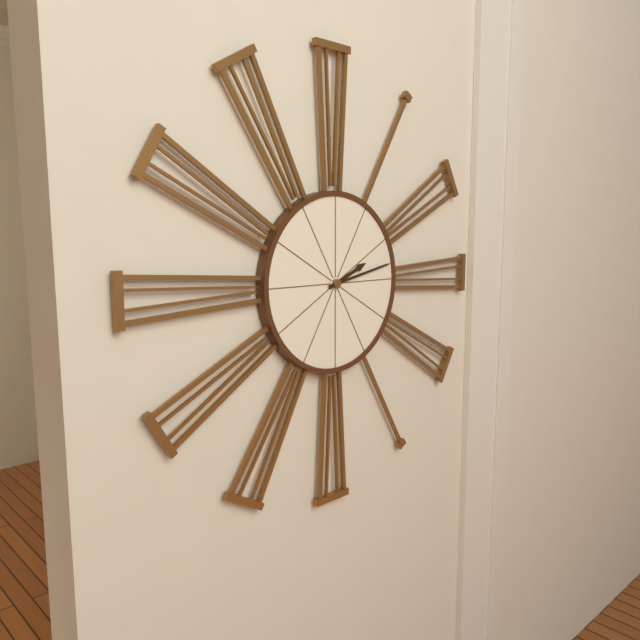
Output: h=2 m=13
